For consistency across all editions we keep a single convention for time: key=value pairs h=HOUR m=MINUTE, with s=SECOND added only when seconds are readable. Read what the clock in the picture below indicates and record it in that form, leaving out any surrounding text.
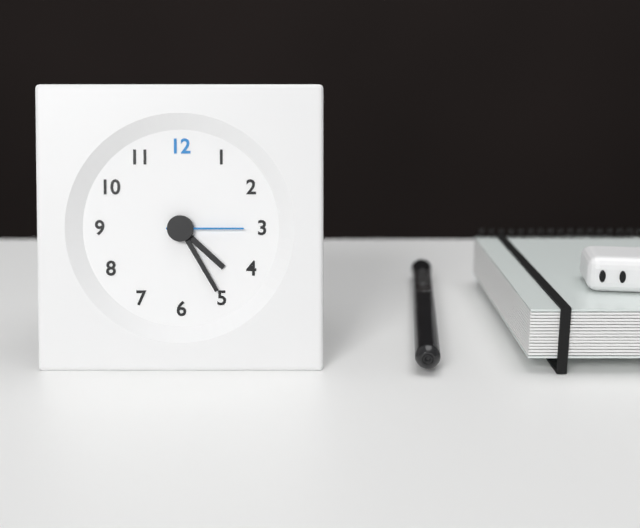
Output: h=4 m=25 s=15
